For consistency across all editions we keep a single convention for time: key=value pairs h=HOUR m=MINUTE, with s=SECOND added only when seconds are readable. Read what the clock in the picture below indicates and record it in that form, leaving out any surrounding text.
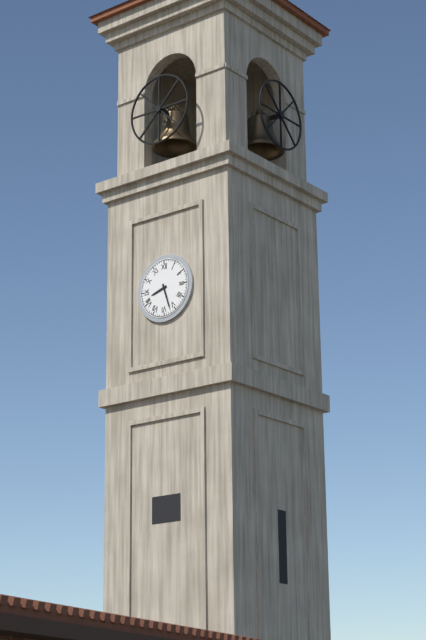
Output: h=8 m=27
